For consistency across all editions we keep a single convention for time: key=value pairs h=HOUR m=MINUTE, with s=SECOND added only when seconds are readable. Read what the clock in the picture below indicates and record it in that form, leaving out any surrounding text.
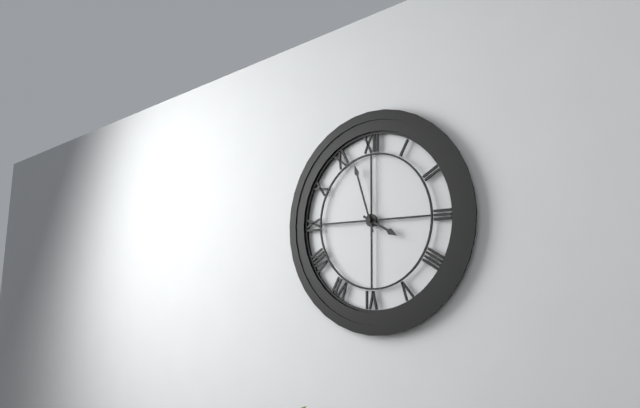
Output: h=3 m=57
